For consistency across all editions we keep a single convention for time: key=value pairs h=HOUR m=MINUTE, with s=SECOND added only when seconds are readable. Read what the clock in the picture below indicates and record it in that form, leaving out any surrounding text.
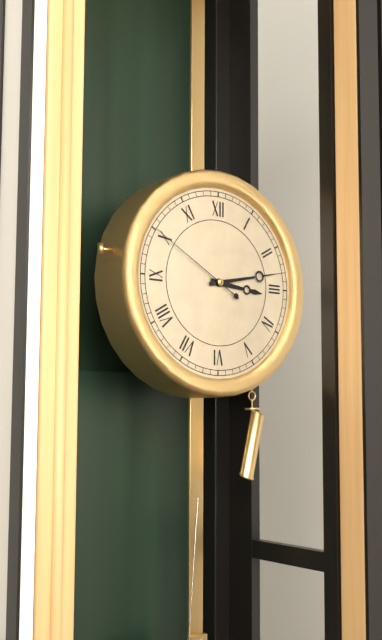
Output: h=3 m=13 s=50
